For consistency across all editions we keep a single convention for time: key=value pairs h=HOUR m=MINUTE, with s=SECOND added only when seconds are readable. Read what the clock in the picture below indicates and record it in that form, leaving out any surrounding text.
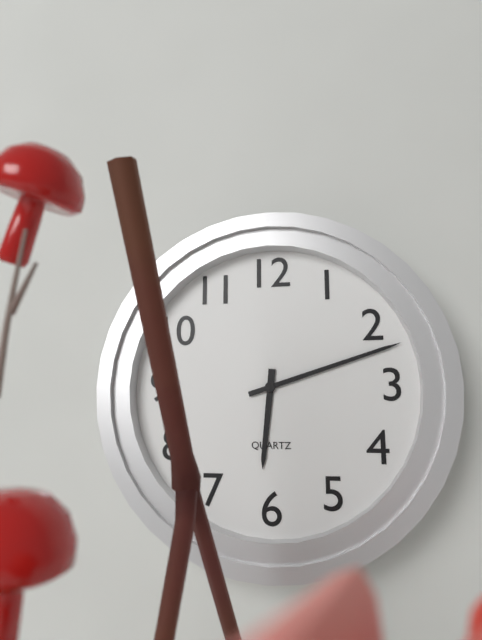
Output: h=6 m=12
